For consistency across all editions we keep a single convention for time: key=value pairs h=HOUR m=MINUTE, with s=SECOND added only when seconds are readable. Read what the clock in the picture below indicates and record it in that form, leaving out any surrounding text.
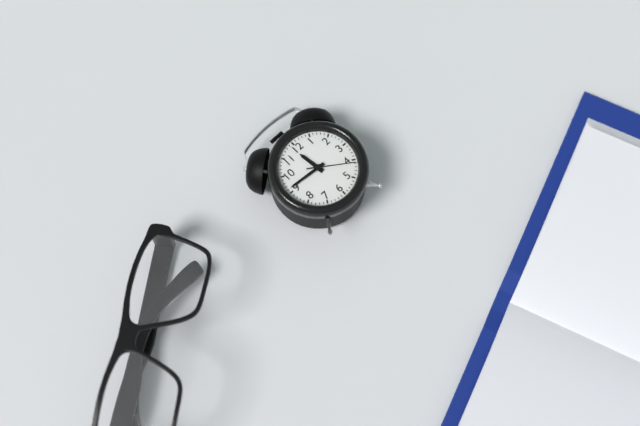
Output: h=11 m=46
